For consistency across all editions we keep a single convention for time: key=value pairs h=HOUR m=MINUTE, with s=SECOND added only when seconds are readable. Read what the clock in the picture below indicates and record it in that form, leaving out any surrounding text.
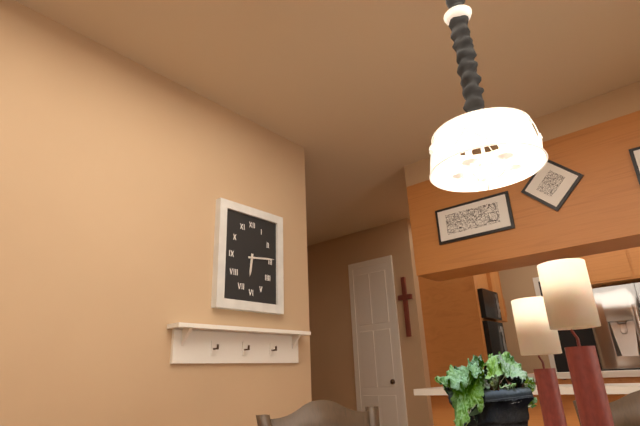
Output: h=6 m=14
